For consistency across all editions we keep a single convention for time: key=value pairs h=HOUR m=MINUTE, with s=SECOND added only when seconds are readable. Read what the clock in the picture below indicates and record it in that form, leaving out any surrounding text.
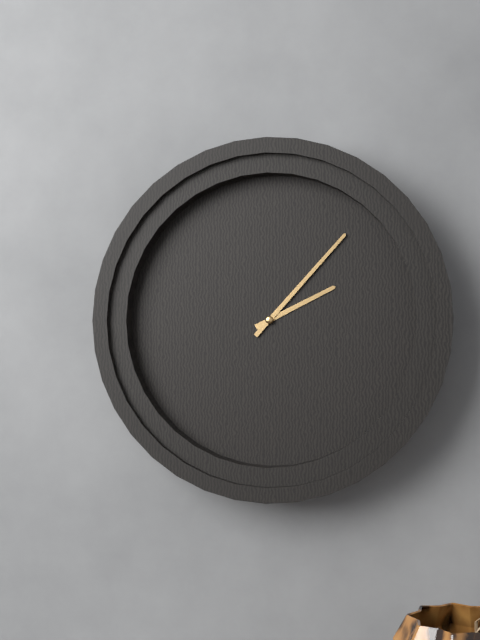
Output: h=2 m=7
